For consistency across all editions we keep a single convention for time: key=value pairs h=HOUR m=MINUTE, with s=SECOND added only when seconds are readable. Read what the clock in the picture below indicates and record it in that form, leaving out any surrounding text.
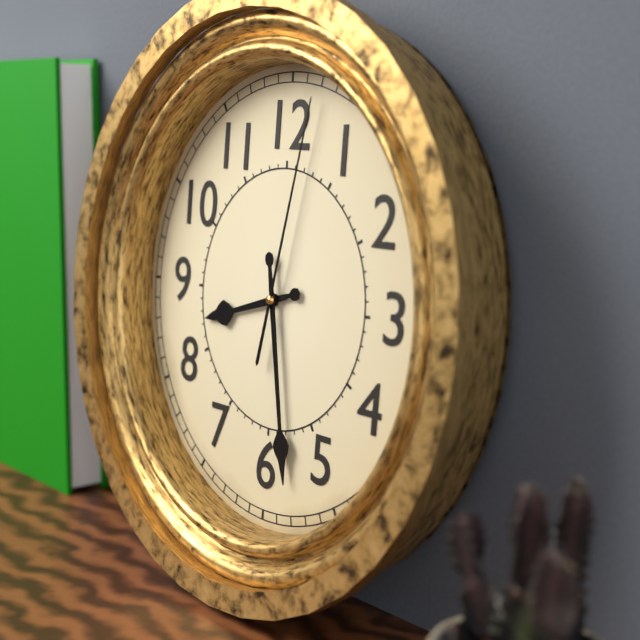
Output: h=8 m=28 s=2
